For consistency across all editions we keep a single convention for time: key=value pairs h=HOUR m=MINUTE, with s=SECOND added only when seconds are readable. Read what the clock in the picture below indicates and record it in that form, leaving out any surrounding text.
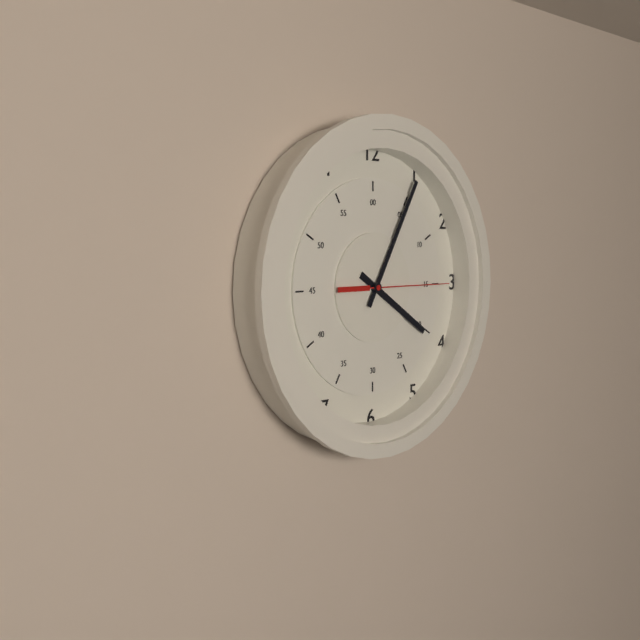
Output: h=4 m=5 s=15
